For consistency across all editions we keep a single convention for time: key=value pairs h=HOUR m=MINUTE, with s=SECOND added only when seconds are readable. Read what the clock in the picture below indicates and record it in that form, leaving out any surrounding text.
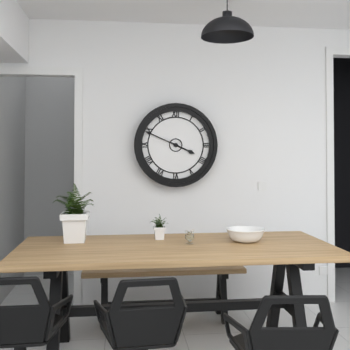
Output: h=3 m=49
